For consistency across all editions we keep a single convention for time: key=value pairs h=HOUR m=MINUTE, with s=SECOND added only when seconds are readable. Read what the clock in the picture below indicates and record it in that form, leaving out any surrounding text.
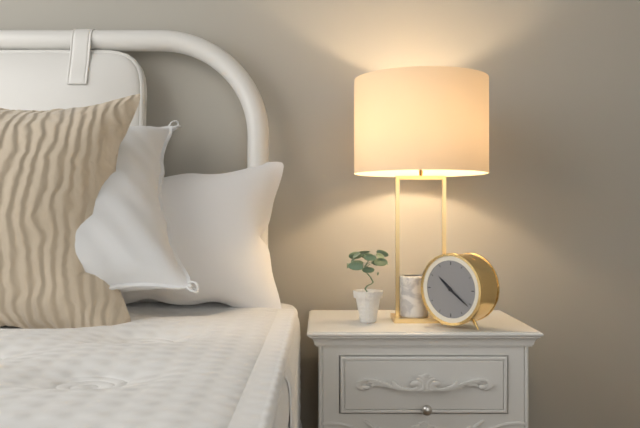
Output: h=10 m=21
